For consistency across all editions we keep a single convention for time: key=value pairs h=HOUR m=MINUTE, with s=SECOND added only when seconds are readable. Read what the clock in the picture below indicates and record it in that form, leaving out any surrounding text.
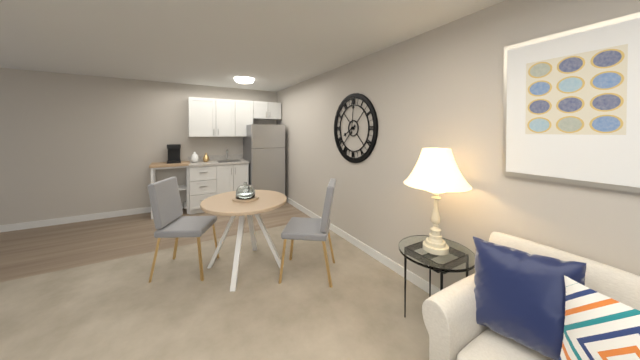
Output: h=8 m=1
